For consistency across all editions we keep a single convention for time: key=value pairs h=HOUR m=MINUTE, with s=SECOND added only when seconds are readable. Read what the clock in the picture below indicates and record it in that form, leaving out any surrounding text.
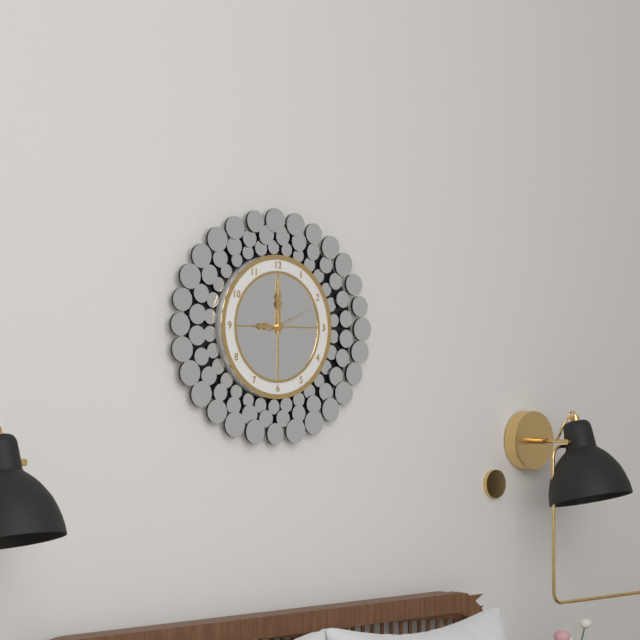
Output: h=9 m=0
